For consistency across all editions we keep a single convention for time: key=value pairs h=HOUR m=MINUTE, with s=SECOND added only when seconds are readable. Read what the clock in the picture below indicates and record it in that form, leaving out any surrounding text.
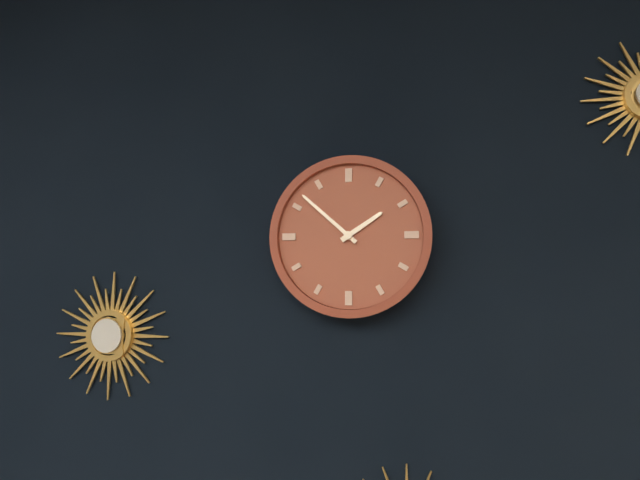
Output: h=1 m=52
